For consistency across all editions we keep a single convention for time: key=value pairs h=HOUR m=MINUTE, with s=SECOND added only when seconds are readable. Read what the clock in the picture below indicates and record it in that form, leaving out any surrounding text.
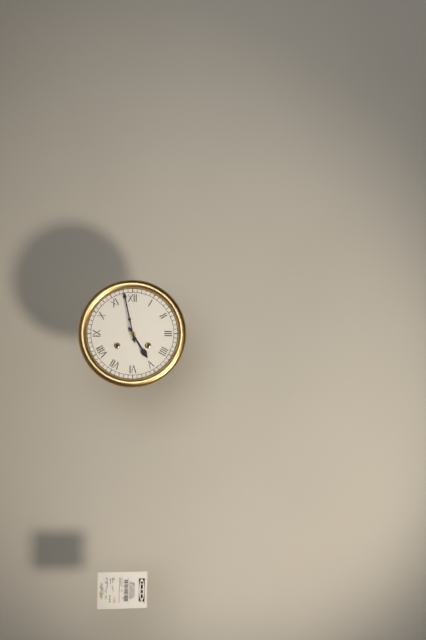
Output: h=4 m=58
